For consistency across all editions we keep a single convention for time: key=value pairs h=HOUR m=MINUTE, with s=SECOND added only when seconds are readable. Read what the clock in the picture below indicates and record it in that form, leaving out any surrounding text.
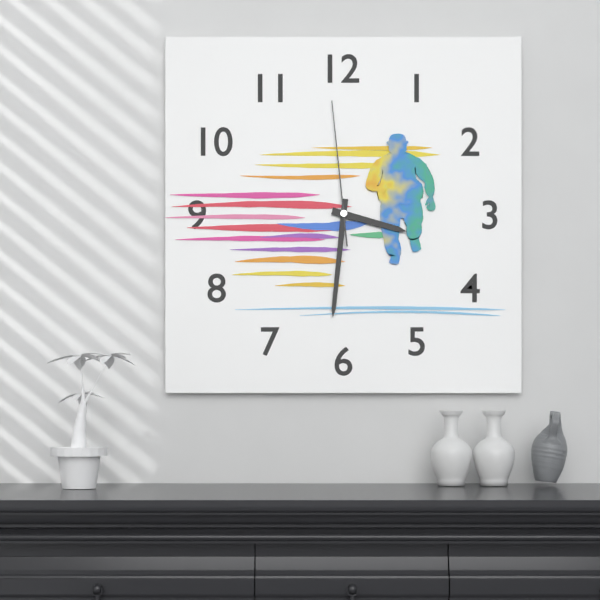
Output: h=3 m=31 s=59
